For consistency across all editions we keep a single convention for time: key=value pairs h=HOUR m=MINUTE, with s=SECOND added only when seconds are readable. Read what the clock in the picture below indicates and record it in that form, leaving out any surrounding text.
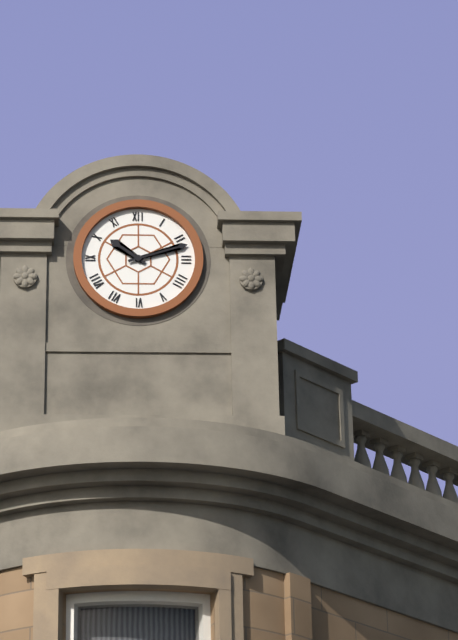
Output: h=10 m=12
